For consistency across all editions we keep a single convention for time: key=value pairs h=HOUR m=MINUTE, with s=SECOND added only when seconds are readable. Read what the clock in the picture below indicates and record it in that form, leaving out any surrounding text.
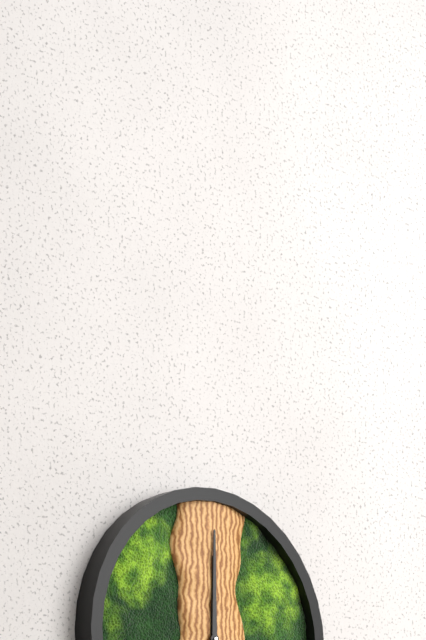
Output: h=12 m=0
